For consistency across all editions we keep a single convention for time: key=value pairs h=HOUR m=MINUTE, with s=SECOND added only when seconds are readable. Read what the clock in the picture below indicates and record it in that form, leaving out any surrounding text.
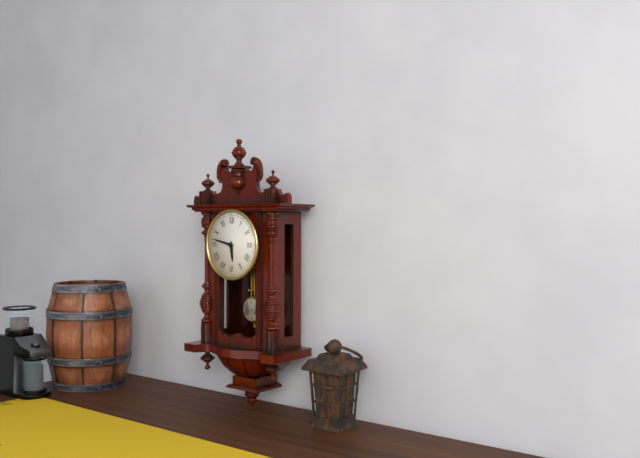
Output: h=5 m=47
